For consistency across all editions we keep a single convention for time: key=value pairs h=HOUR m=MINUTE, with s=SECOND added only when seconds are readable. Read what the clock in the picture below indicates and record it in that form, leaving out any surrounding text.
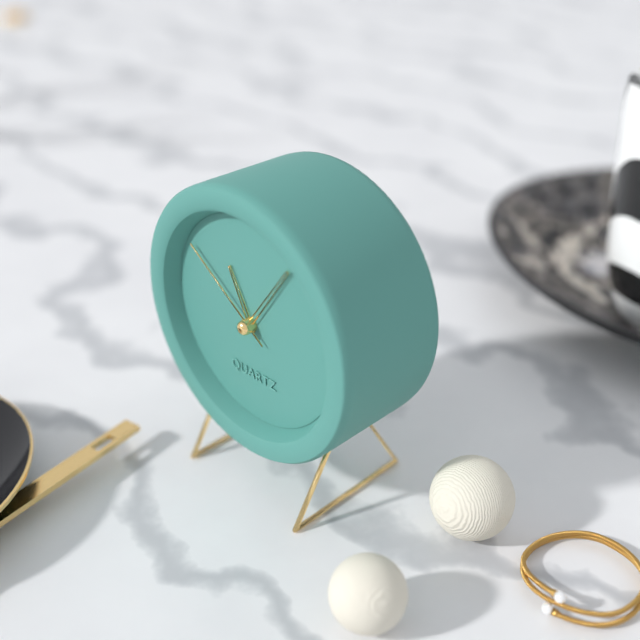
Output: h=11 m=6 s=51
